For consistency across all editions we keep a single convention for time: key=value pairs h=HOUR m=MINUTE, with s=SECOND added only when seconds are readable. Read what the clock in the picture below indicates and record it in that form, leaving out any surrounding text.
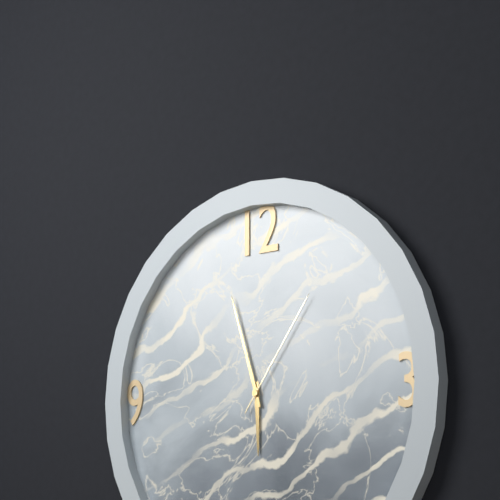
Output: h=5 m=57 s=6
